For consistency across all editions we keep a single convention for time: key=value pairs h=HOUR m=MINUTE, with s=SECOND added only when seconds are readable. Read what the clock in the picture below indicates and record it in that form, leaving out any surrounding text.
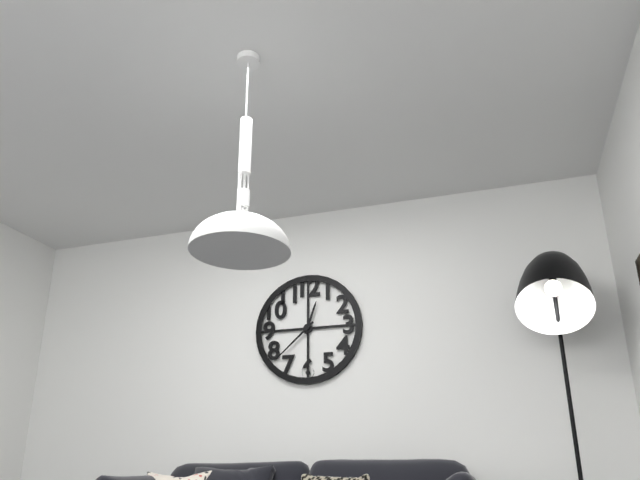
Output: h=12 m=38
